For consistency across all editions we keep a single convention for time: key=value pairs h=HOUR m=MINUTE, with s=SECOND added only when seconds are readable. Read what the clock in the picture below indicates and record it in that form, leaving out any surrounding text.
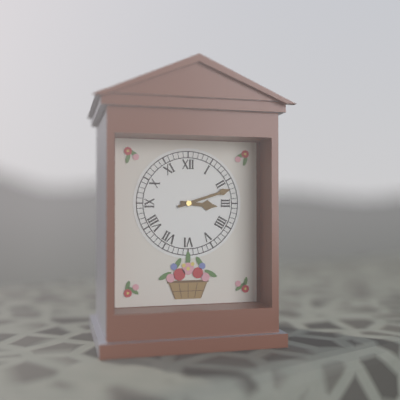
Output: h=3 m=12
